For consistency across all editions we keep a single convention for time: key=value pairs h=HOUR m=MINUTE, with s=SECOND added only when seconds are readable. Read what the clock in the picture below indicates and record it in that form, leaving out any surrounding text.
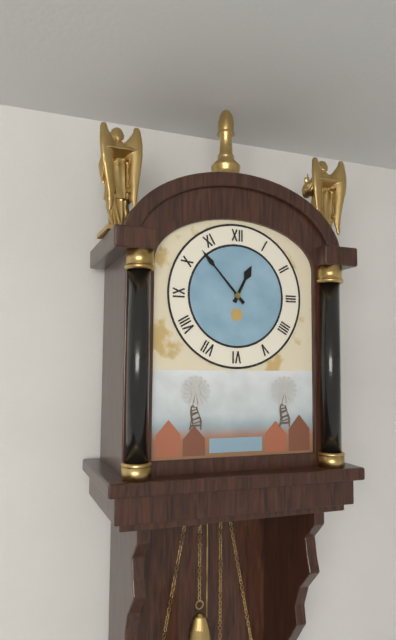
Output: h=12 m=53
